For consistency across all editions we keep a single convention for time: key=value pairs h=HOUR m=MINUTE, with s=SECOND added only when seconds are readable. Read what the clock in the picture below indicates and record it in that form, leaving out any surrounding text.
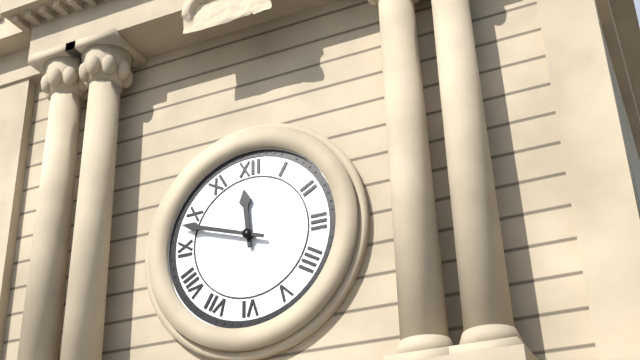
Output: h=11 m=48
